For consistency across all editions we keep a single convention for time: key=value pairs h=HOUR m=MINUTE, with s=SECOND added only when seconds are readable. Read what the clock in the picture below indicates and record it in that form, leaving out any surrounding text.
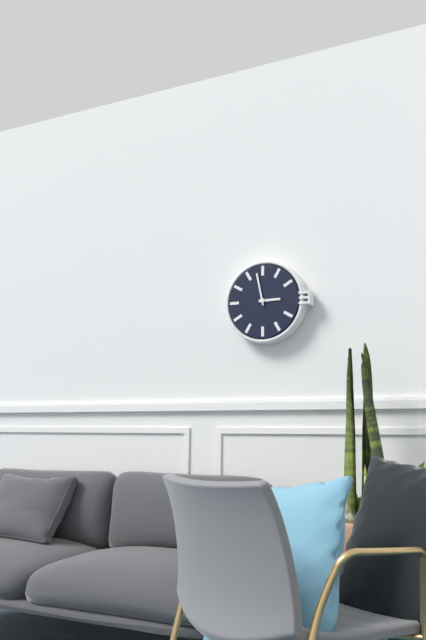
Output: h=2 m=58
